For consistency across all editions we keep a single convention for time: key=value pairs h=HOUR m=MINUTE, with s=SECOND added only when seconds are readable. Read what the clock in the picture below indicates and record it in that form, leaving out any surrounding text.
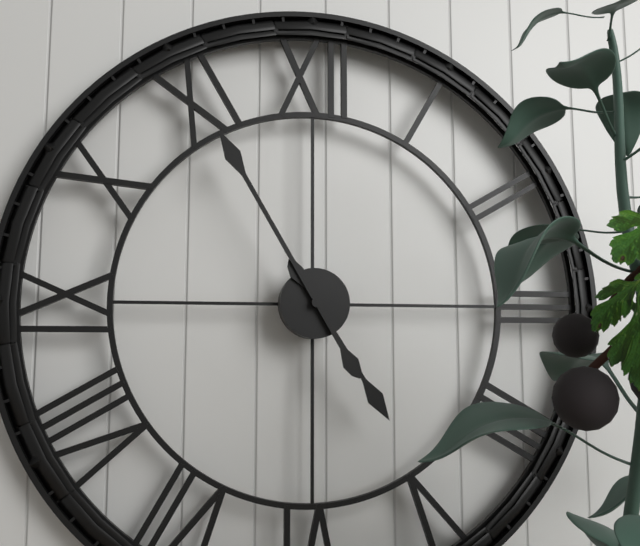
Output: h=4 m=55
